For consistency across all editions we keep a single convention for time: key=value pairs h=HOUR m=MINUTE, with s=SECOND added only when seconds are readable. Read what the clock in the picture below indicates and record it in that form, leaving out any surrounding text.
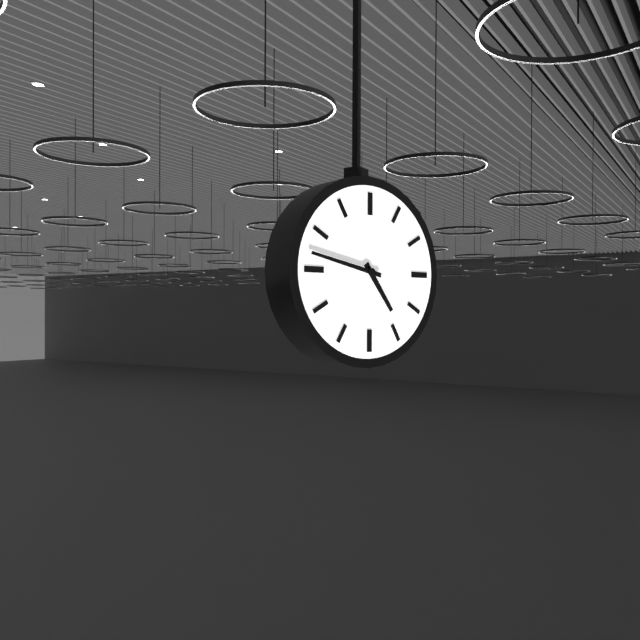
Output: h=4 m=47
